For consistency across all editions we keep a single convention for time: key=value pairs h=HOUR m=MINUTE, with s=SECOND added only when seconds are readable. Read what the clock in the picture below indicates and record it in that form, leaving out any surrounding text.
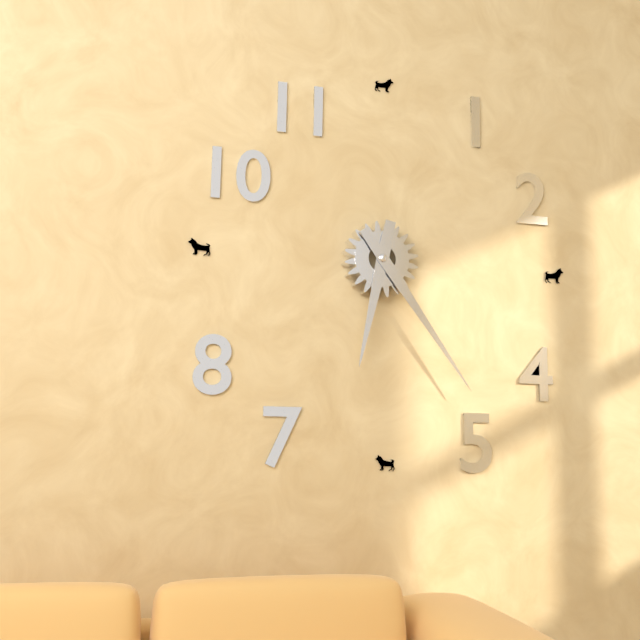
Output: h=6 m=24
